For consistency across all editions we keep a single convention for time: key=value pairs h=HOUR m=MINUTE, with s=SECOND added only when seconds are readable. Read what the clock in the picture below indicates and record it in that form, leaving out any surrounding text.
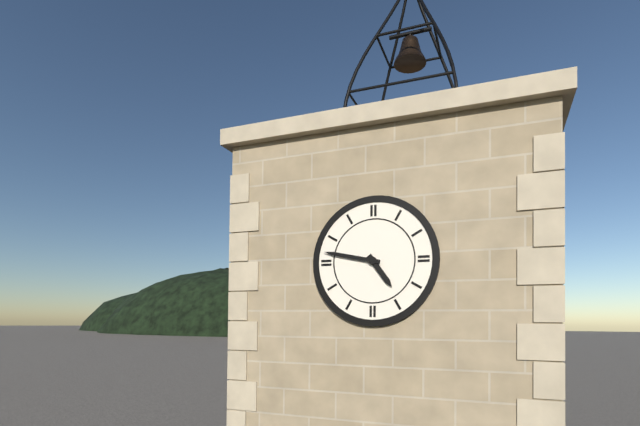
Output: h=4 m=47
